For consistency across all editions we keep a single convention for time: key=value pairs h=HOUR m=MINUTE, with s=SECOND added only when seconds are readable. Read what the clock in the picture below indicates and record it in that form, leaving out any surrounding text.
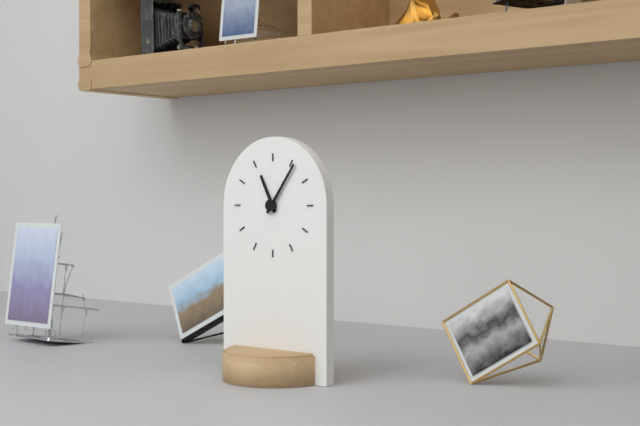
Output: h=11 m=6
